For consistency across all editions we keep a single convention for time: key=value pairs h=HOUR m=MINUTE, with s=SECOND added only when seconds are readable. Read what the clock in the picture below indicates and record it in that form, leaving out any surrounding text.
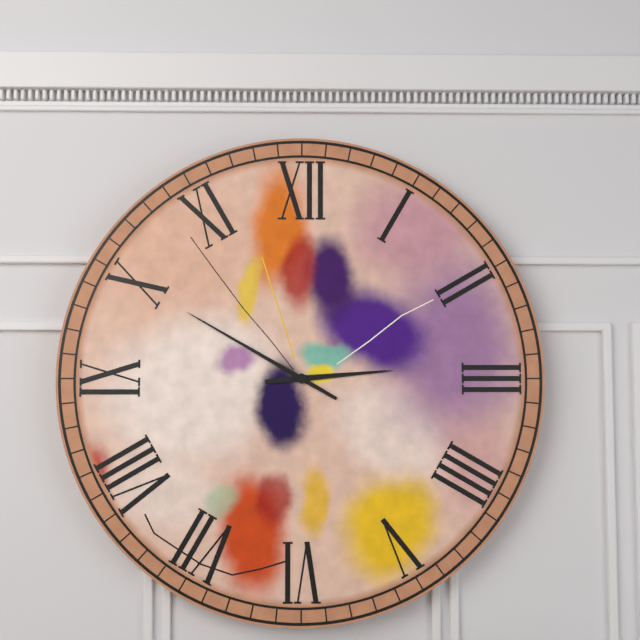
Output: h=2 m=50
